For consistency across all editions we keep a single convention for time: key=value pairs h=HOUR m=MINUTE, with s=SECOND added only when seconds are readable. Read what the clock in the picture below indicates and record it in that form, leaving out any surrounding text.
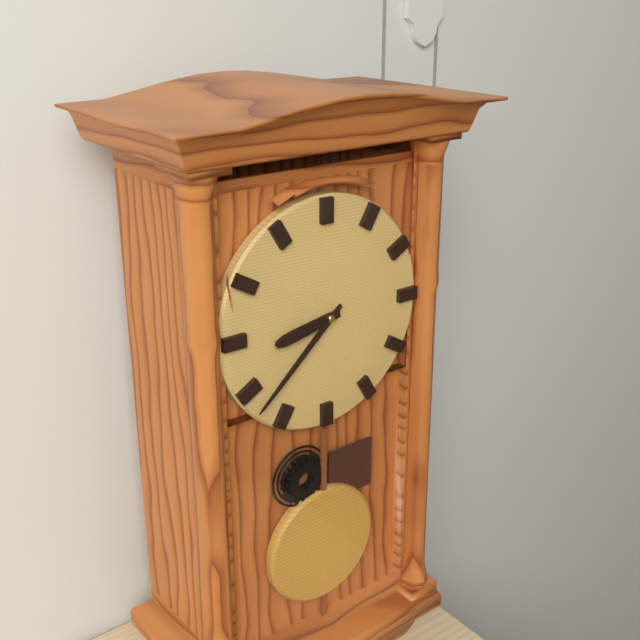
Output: h=8 m=38
